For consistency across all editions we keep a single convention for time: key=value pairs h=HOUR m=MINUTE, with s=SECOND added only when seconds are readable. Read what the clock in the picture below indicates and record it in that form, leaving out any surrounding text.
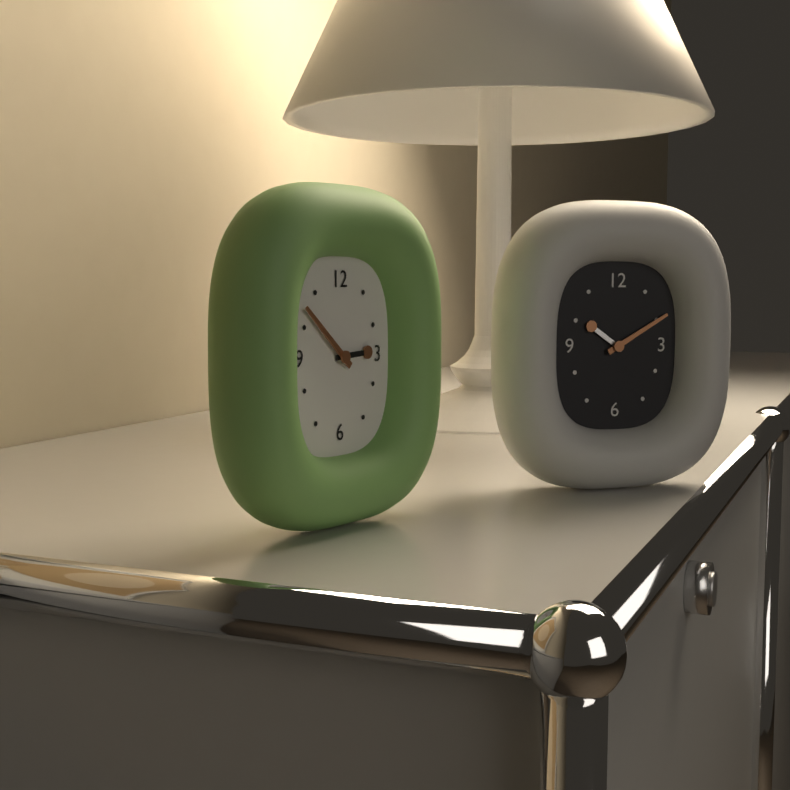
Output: h=2 m=52
